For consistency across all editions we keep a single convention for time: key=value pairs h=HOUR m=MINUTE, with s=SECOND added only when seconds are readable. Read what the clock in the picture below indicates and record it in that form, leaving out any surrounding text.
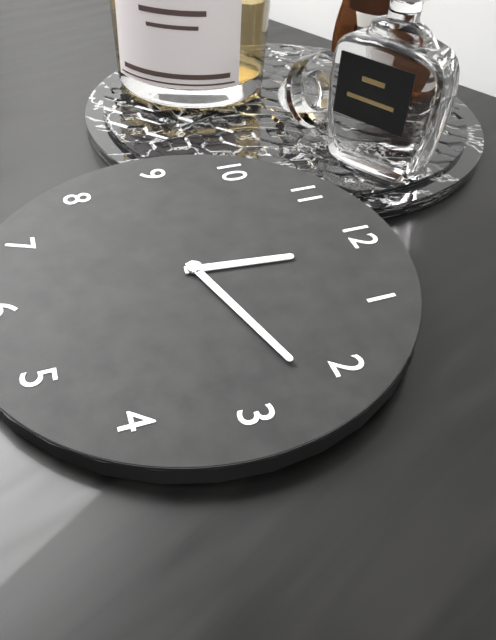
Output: h=12 m=12
